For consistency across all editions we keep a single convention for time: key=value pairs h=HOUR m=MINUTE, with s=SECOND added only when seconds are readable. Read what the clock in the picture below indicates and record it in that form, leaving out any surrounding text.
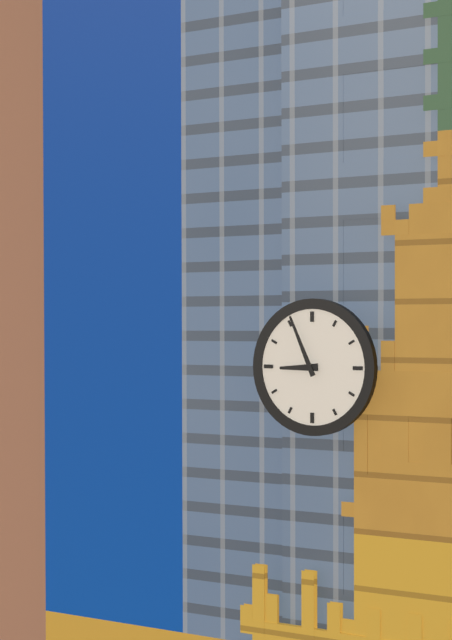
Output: h=8 m=56
